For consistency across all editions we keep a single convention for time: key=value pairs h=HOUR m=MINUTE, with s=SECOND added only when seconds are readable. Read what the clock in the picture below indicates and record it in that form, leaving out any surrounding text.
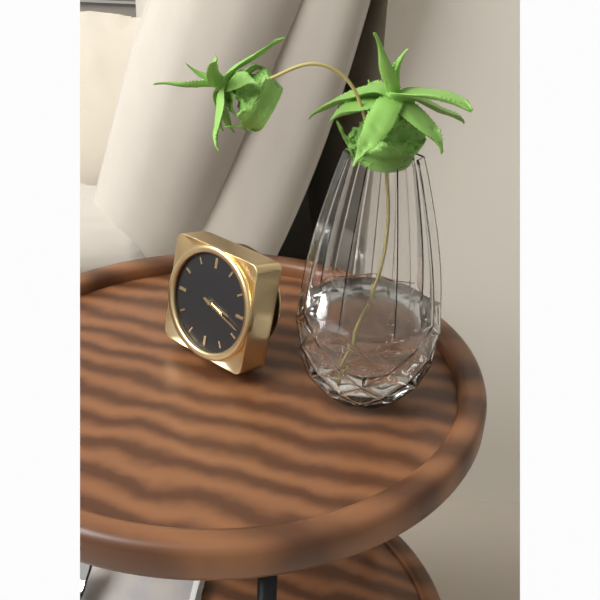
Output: h=3 m=18
